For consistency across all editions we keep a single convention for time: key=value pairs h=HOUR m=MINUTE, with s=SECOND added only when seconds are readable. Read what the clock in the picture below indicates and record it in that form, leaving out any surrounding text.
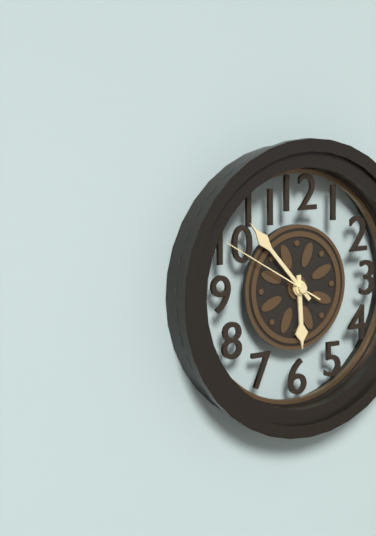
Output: h=5 m=53 s=50
